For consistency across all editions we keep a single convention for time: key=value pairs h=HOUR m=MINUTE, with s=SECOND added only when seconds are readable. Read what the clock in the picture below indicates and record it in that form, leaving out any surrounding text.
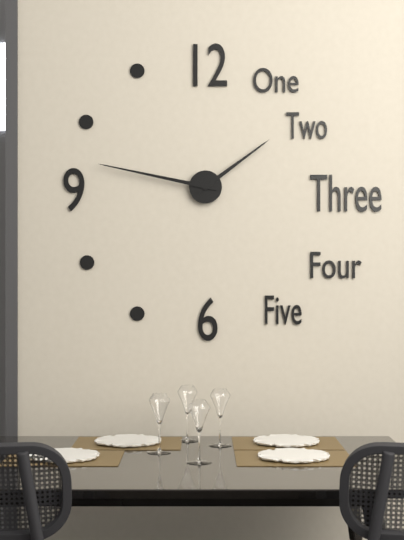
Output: h=1 m=47
